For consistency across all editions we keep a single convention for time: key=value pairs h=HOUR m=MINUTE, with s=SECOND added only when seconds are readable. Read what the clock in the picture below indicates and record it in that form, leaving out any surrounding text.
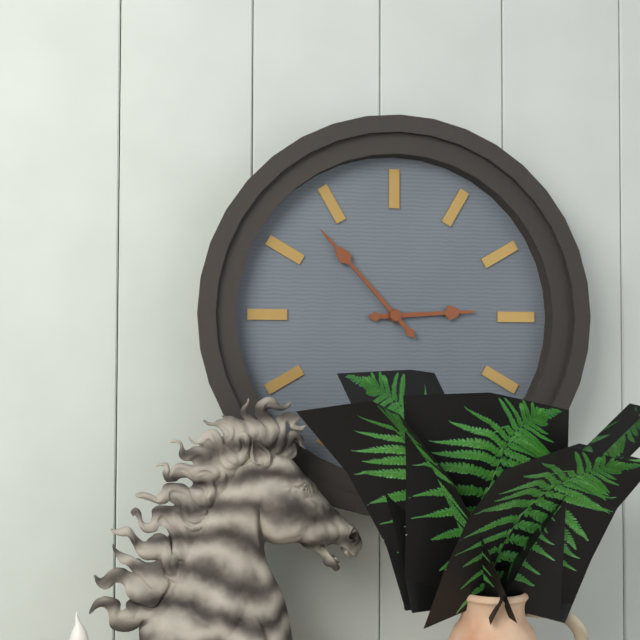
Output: h=2 m=53
